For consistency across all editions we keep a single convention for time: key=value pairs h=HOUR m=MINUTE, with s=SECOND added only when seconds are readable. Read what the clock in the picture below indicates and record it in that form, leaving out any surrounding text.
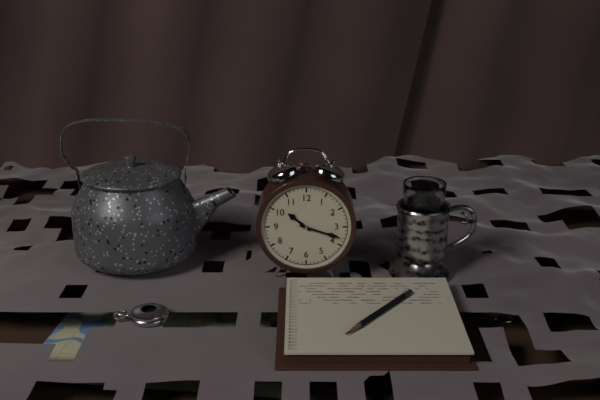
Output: h=10 m=18
